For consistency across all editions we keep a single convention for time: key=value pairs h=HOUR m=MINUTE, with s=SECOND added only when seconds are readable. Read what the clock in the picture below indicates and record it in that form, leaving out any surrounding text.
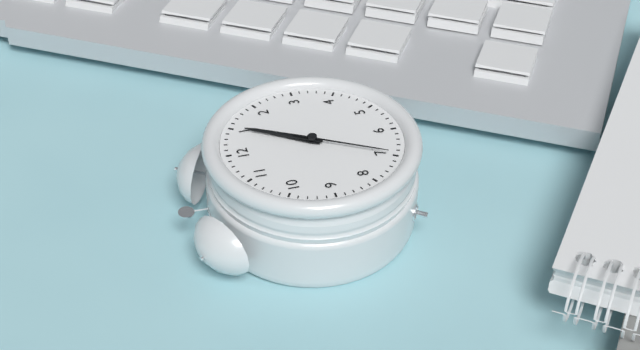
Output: h=1 m=5 s=35
